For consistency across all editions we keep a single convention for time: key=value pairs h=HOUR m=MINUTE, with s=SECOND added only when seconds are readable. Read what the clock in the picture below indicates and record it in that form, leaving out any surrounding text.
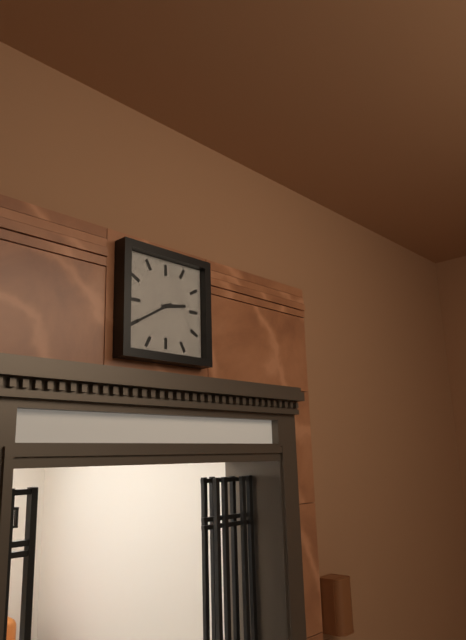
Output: h=2 m=40
